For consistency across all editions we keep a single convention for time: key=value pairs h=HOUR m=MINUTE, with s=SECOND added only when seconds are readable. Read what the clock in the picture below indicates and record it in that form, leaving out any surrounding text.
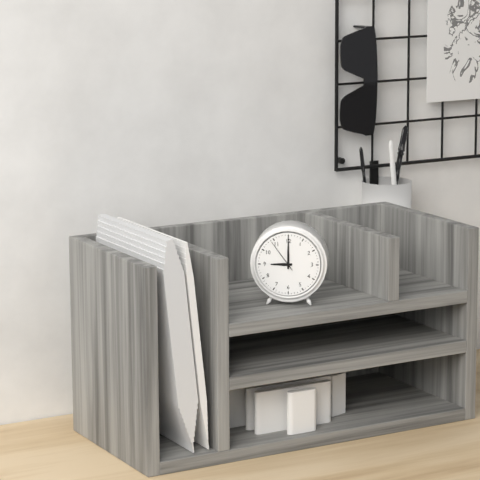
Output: h=9 m=0
